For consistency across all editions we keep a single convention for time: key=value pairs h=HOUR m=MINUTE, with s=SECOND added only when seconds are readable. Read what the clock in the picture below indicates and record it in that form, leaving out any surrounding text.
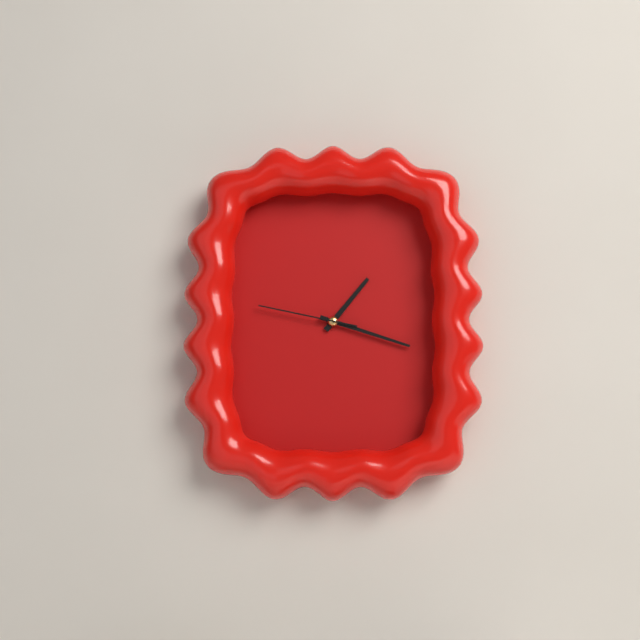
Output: h=1 m=18 s=47
